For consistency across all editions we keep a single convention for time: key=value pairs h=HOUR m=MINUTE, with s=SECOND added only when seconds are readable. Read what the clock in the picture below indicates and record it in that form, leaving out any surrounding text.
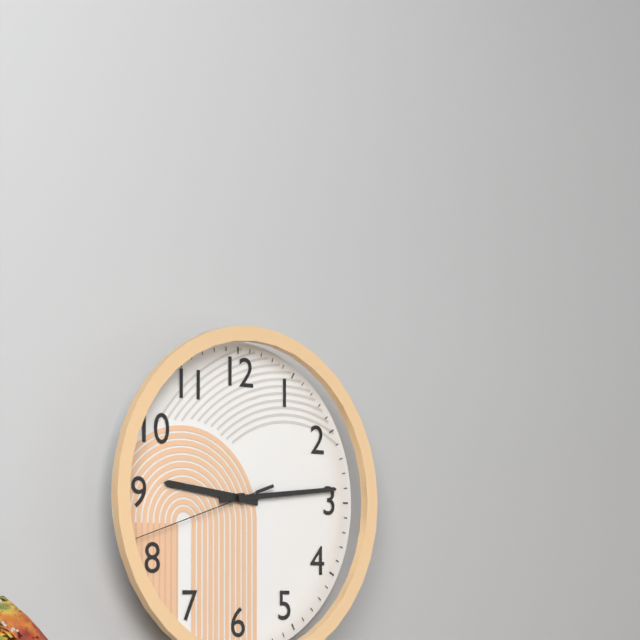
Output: h=9 m=14 s=42
